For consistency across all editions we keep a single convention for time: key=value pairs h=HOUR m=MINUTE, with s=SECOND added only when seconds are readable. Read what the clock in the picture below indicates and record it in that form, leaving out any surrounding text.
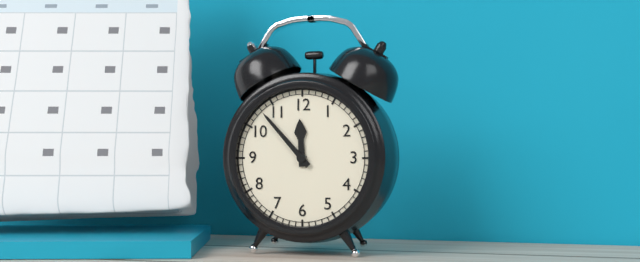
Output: h=11 m=53
